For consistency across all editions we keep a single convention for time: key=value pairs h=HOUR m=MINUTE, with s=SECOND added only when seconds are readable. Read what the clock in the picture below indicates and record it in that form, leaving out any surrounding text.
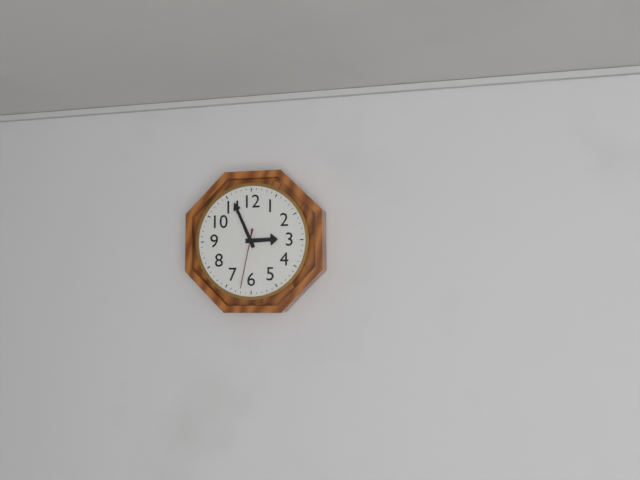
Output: h=2 m=56 s=32
